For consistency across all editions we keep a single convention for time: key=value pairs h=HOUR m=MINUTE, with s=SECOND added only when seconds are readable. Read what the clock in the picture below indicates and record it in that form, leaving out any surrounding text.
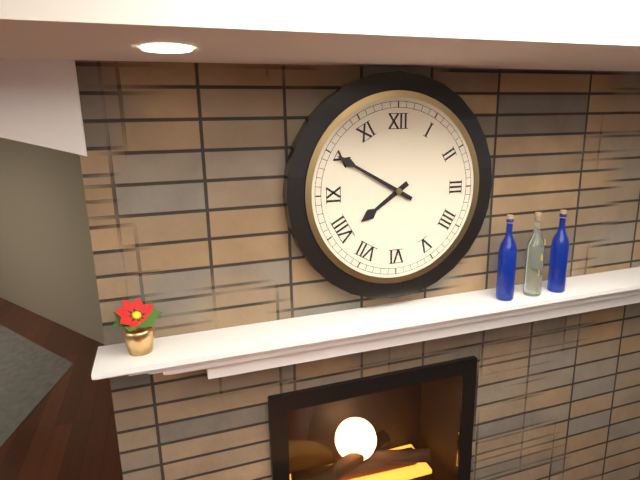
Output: h=7 m=50
